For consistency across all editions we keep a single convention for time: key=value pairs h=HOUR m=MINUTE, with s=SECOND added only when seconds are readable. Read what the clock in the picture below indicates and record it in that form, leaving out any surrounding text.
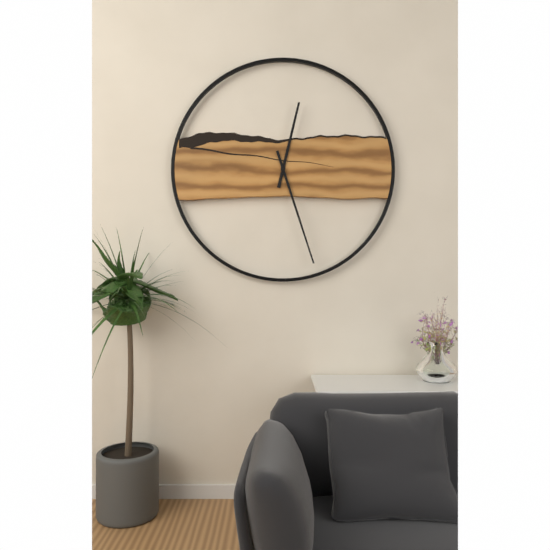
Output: h=12 m=27
